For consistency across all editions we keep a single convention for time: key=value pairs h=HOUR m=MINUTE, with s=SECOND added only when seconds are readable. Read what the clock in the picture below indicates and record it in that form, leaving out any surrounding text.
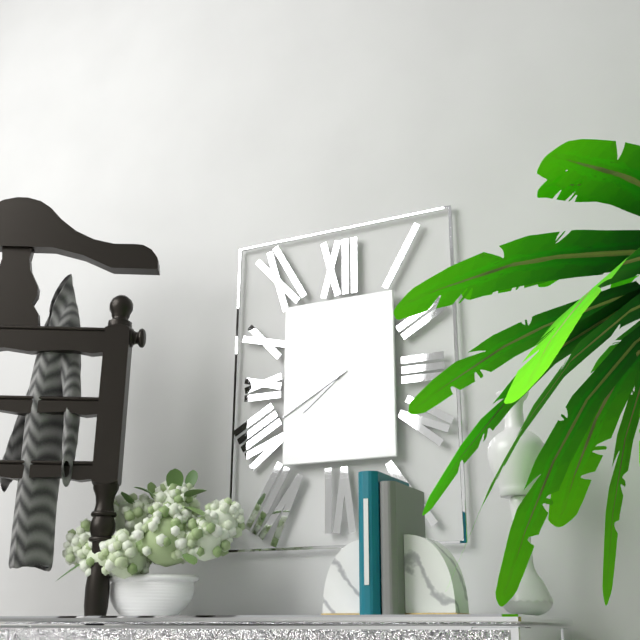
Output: h=7 m=40
